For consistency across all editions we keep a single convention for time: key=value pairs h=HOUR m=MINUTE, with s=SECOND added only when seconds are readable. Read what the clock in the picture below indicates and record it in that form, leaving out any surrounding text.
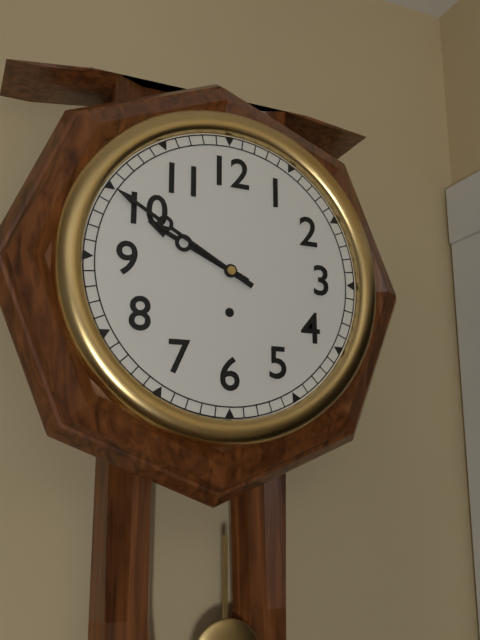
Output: h=9 m=50
